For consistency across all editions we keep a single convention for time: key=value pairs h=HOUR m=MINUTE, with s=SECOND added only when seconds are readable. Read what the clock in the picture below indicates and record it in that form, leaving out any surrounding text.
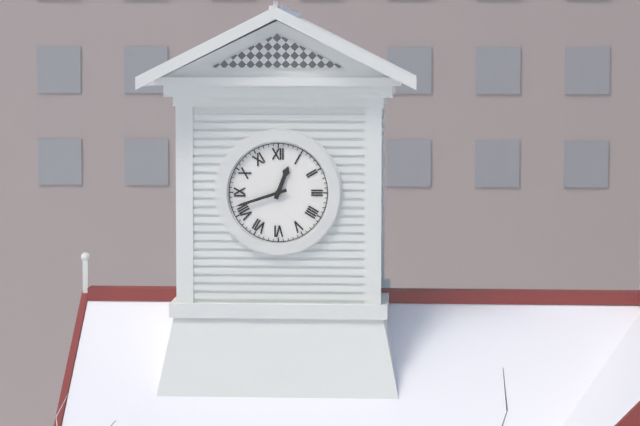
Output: h=12 m=42
